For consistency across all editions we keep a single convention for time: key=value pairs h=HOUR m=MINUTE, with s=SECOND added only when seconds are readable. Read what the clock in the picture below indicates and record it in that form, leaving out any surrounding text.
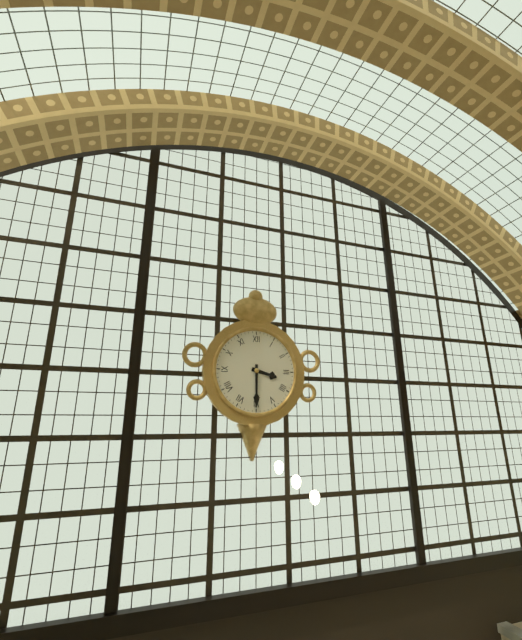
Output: h=3 m=30
